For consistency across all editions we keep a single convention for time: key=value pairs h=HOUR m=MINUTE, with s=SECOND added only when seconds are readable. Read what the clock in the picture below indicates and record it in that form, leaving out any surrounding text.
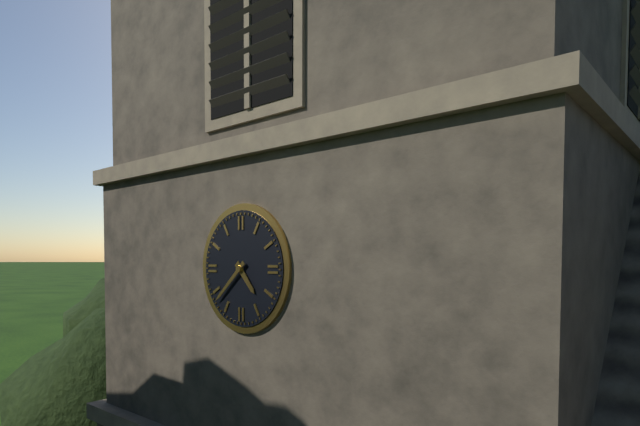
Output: h=4 m=38
